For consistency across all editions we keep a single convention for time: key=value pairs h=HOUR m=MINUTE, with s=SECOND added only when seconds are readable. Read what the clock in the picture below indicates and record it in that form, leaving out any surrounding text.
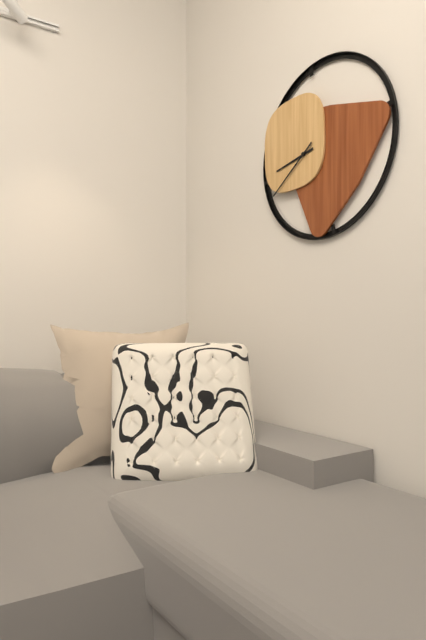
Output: h=8 m=39
